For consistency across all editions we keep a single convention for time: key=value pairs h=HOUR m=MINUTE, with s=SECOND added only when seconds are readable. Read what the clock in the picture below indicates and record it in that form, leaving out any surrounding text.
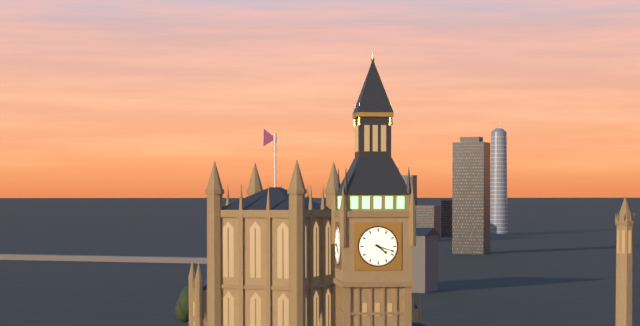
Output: h=4 m=18
